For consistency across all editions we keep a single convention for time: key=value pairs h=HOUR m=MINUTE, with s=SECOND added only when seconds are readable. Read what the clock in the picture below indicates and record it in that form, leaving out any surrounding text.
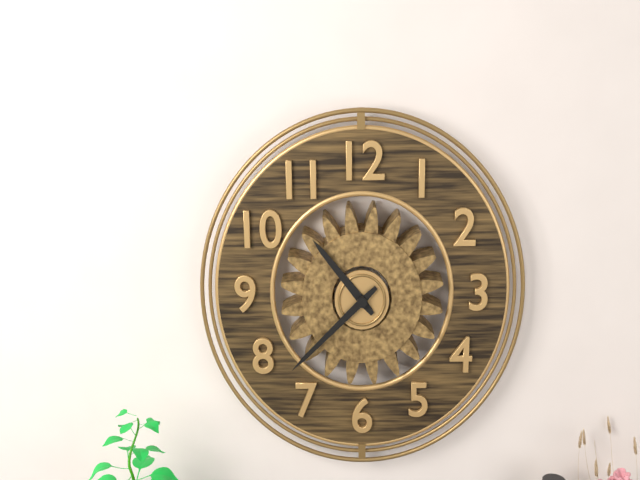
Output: h=10 m=38
